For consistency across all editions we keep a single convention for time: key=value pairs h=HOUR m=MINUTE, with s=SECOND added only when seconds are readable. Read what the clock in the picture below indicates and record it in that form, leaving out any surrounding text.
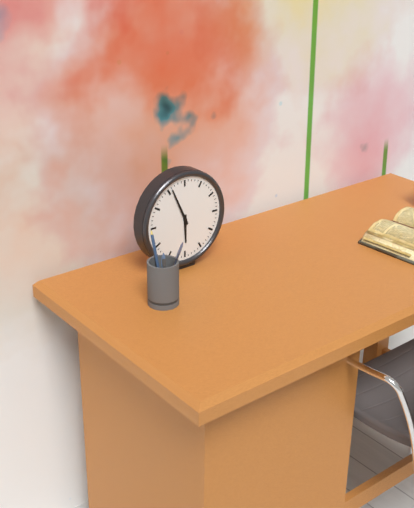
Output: h=5 m=56
